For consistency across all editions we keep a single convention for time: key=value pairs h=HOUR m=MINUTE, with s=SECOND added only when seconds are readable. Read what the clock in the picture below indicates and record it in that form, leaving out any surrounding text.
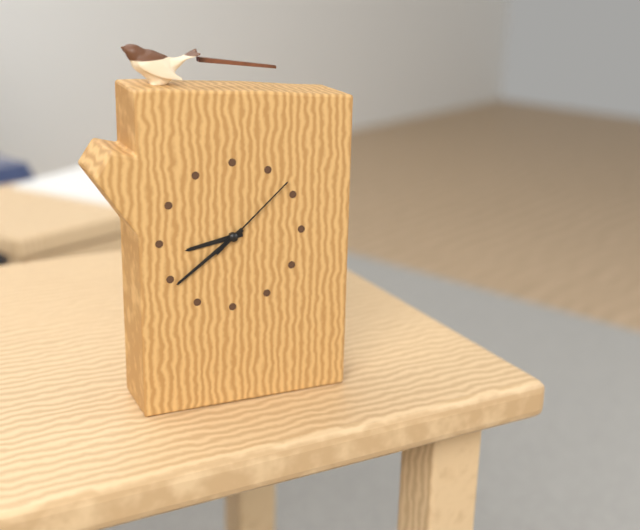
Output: h=8 m=39 s=8
